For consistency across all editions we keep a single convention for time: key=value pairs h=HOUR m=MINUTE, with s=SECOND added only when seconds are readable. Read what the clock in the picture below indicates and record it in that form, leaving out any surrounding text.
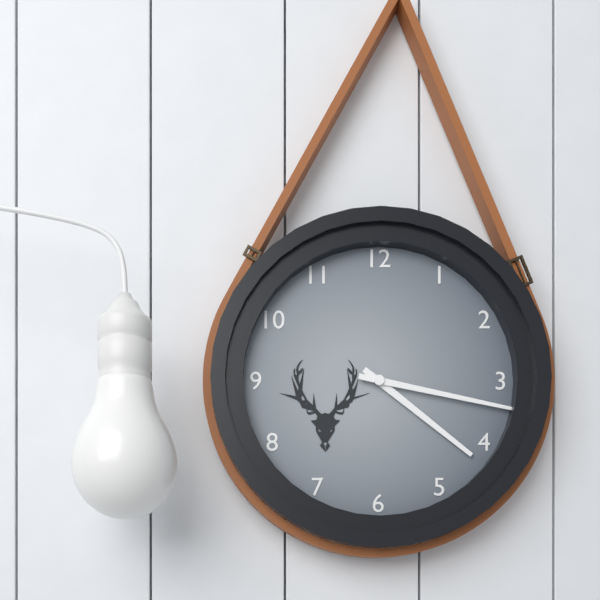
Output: h=4 m=17
